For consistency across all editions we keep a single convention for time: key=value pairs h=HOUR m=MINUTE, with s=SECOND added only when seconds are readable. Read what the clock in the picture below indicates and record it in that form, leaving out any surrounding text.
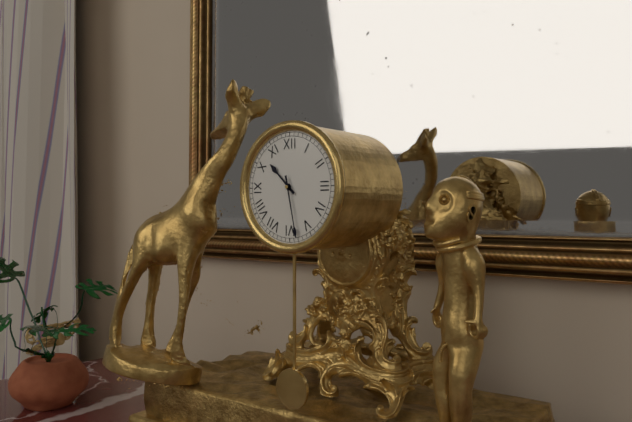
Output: h=10 m=28
